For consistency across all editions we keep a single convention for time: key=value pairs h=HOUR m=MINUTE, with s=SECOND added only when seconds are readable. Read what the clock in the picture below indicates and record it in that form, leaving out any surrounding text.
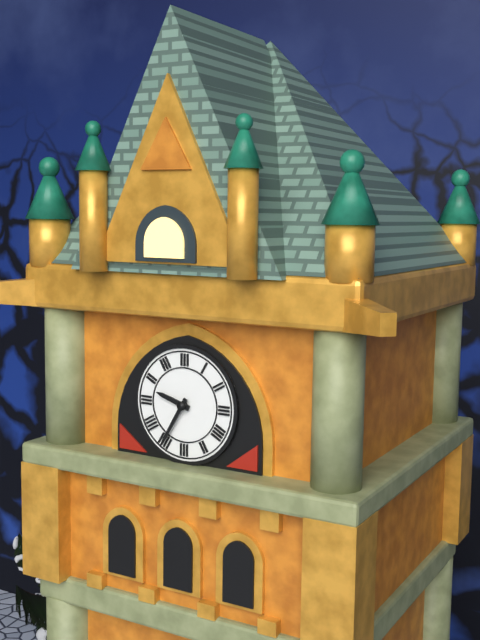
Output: h=9 m=35
